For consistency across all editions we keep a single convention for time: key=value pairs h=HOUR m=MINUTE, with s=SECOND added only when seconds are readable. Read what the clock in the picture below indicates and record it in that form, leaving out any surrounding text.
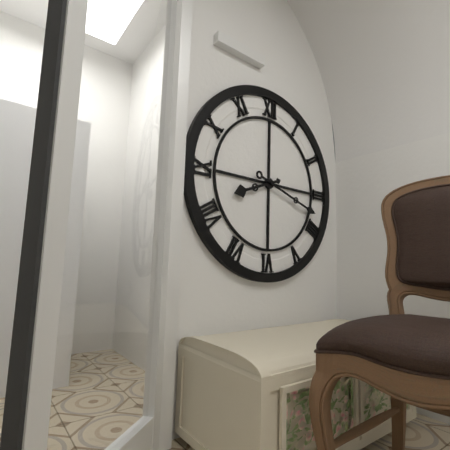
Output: h=8 m=18
